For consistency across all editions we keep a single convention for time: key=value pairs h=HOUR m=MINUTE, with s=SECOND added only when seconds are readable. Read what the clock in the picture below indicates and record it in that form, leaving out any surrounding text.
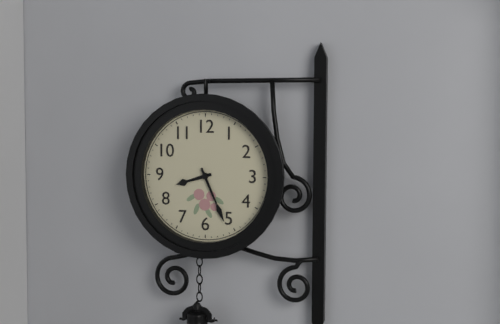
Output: h=8 m=26
